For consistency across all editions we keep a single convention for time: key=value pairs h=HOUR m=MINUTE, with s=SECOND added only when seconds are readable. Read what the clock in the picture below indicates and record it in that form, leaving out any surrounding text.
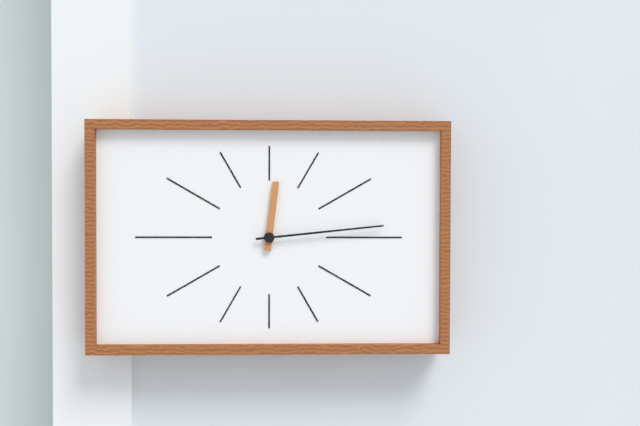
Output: h=12 m=14
